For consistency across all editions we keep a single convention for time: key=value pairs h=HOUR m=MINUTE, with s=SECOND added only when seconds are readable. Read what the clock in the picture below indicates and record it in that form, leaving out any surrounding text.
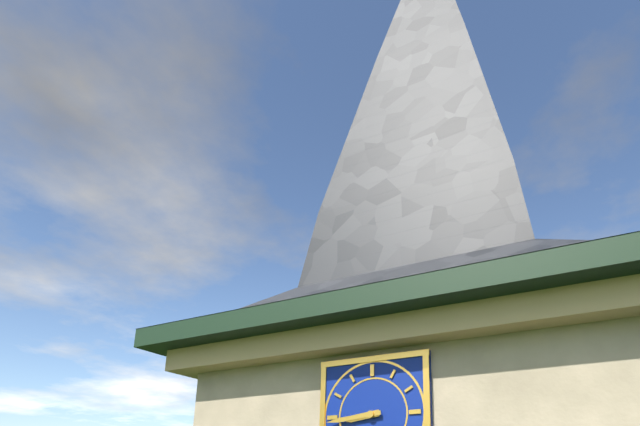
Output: h=8 m=44
